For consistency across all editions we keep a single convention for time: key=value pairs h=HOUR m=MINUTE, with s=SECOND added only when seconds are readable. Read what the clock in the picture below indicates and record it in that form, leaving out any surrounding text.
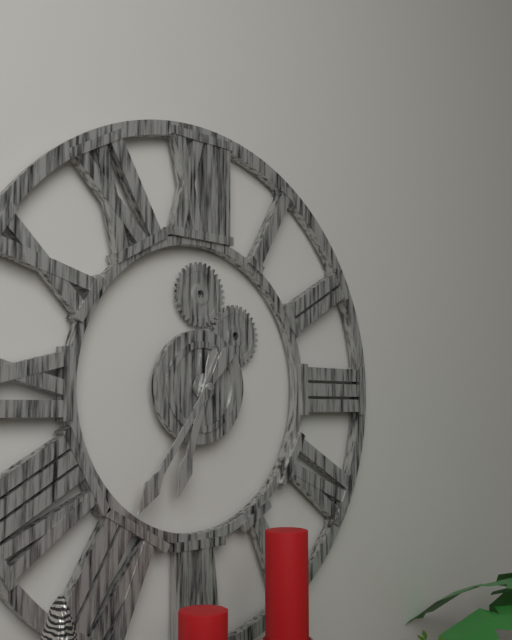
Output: h=6 m=36
